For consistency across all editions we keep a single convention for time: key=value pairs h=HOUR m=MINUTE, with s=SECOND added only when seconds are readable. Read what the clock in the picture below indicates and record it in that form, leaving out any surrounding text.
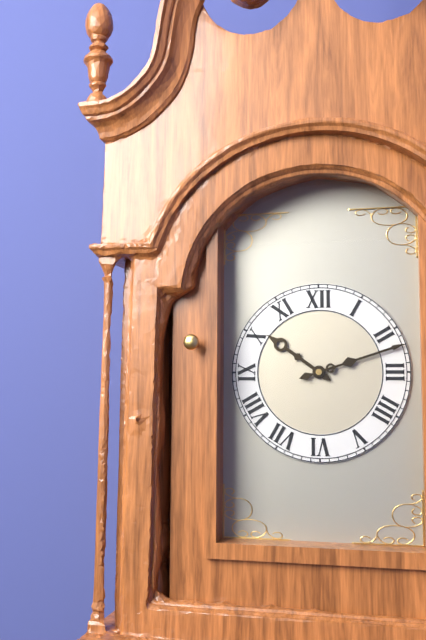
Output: h=10 m=12
